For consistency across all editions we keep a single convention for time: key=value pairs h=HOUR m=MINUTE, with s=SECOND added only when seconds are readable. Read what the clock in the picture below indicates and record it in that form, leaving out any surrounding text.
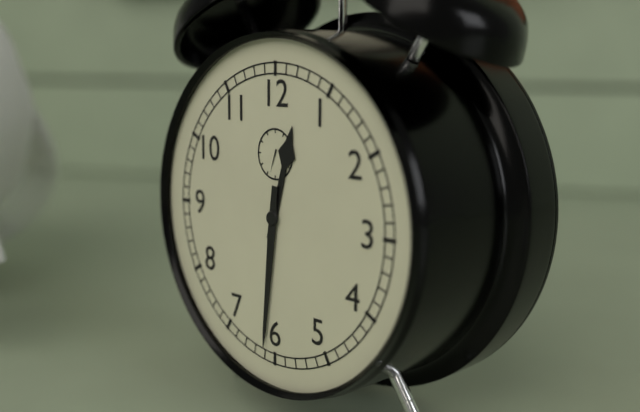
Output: h=12 m=31
